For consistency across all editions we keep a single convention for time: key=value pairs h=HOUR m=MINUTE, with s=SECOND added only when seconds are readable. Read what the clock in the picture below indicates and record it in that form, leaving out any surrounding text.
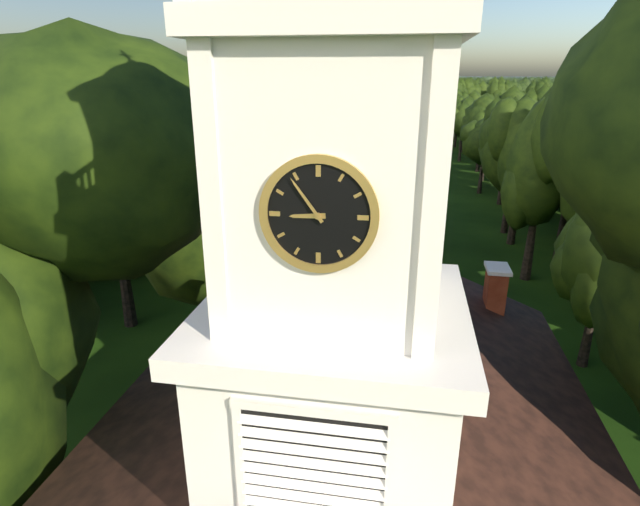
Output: h=8 m=54
